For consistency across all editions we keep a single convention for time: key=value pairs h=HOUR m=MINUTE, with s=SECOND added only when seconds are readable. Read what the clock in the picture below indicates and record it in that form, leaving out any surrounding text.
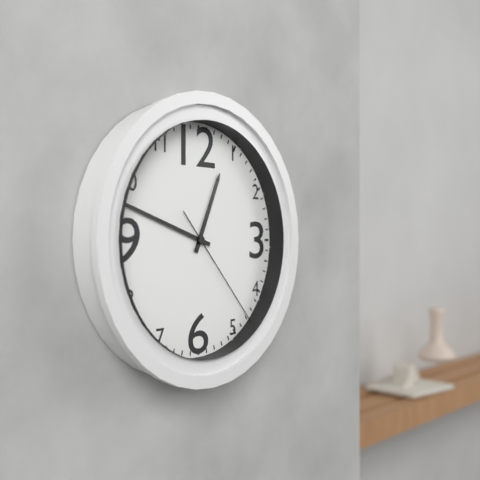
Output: h=12 m=48 s=23
